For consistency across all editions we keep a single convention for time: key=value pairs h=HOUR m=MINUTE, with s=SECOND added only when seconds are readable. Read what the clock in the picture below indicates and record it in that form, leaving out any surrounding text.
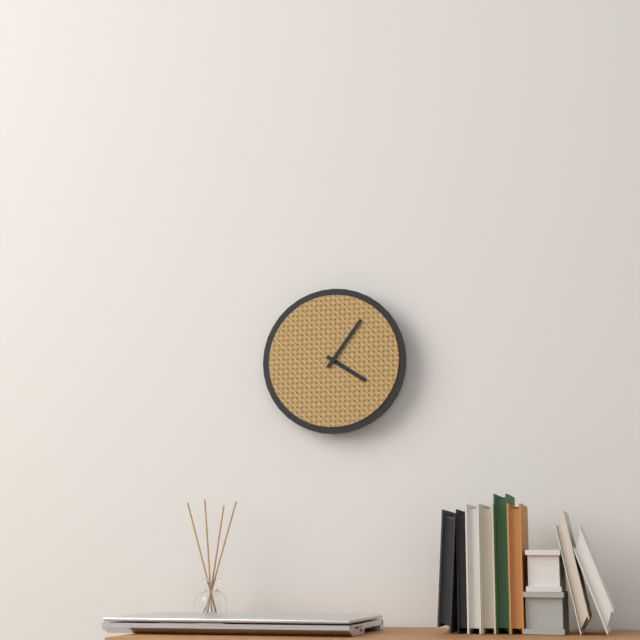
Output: h=4 m=6
